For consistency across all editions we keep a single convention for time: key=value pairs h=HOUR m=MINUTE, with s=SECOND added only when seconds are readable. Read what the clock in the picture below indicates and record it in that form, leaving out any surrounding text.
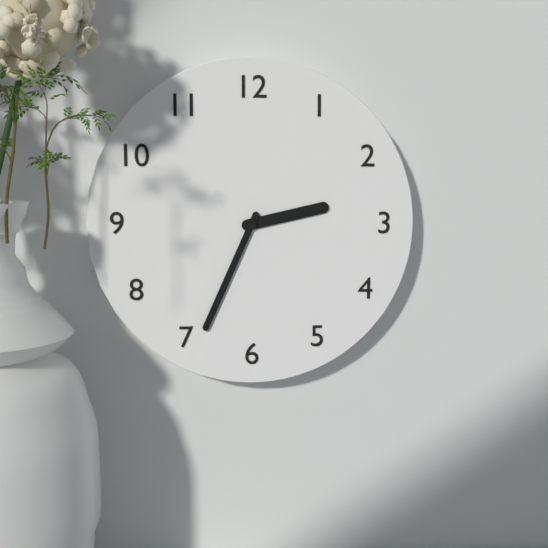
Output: h=2 m=34
